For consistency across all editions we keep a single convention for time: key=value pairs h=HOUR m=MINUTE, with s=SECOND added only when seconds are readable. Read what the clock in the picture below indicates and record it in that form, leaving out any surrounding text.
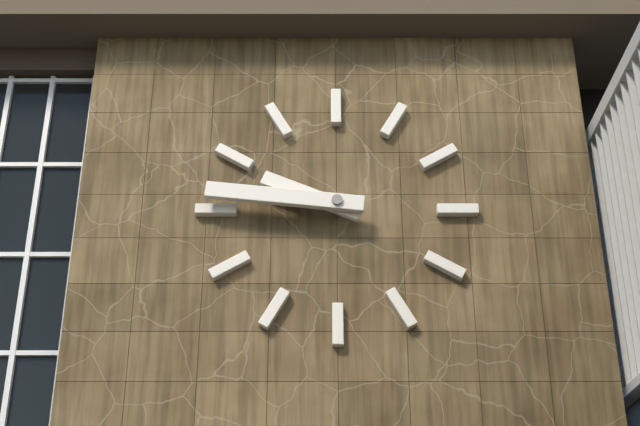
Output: h=9 m=46
